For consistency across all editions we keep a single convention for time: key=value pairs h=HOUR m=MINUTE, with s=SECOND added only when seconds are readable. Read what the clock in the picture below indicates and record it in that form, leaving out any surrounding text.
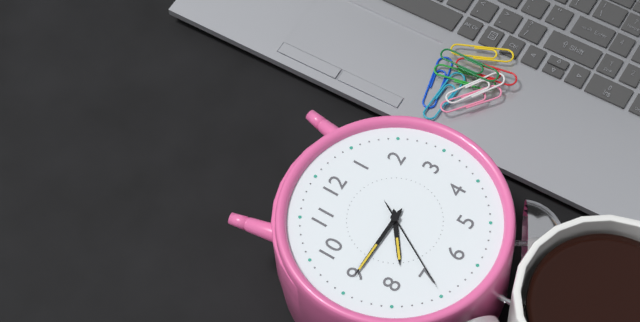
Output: h=7 m=45 s=35
